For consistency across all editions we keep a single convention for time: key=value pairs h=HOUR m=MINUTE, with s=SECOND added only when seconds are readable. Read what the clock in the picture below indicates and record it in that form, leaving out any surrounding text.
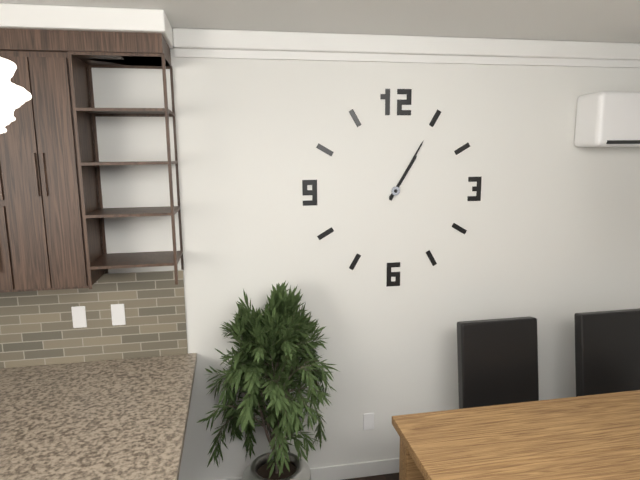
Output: h=1 m=5
